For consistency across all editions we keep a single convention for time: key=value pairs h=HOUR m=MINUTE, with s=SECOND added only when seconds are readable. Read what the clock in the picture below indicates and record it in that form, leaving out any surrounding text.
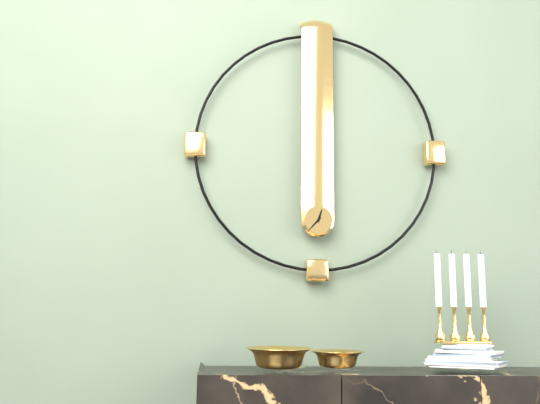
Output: h=12 m=37
